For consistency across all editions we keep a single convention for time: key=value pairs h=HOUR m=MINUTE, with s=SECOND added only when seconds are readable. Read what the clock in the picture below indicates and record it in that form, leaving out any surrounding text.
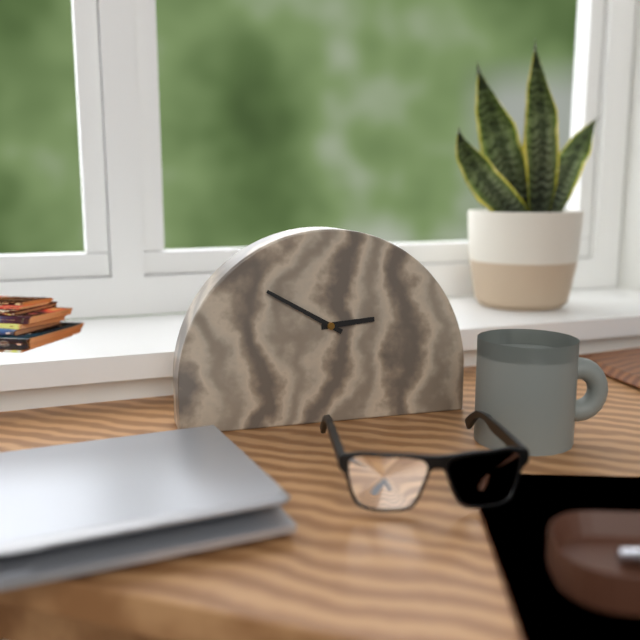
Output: h=2 m=50
